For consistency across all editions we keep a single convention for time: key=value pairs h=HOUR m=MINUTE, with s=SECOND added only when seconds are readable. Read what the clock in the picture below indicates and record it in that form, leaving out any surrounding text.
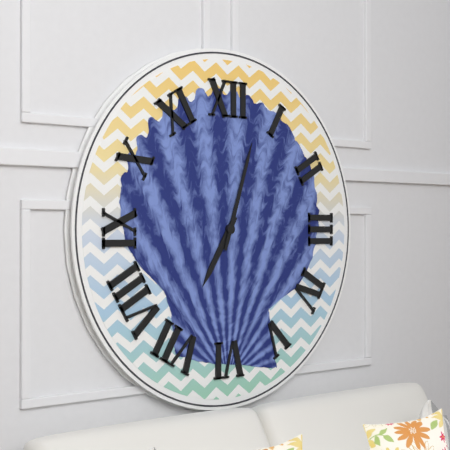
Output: h=7 m=3
